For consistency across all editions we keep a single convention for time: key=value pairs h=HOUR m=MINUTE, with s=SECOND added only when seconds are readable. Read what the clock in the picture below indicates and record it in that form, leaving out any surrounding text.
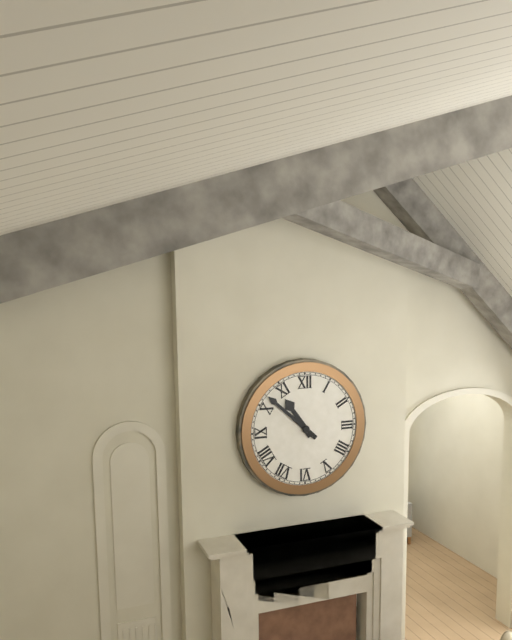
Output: h=10 m=52
